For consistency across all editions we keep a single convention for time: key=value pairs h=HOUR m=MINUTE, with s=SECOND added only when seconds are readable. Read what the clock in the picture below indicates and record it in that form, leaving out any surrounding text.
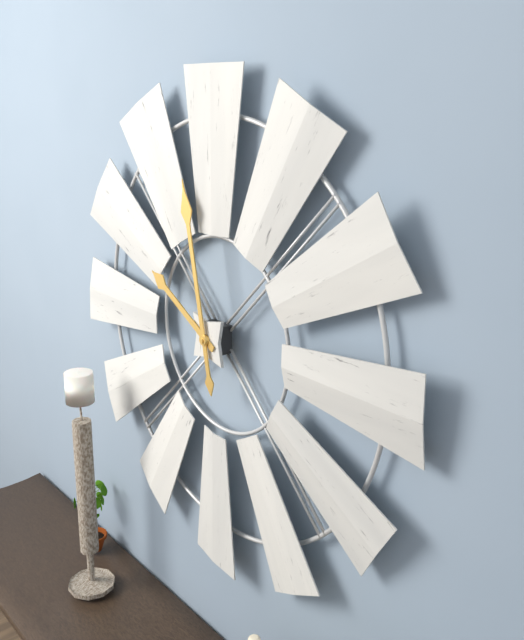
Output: h=9 m=58
